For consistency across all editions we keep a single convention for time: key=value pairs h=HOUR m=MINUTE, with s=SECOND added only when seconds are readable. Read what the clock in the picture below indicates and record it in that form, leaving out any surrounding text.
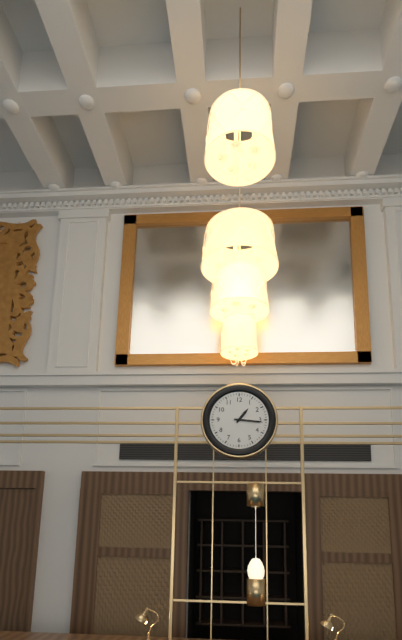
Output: h=1 m=16
